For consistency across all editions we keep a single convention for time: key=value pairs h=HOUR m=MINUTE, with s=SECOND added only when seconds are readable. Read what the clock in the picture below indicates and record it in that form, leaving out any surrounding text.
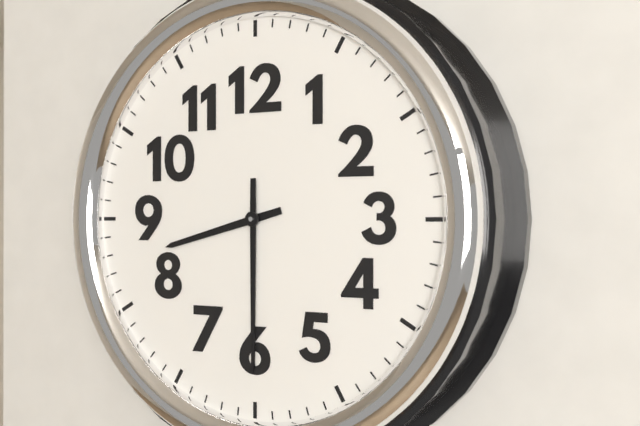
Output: h=8 m=30
